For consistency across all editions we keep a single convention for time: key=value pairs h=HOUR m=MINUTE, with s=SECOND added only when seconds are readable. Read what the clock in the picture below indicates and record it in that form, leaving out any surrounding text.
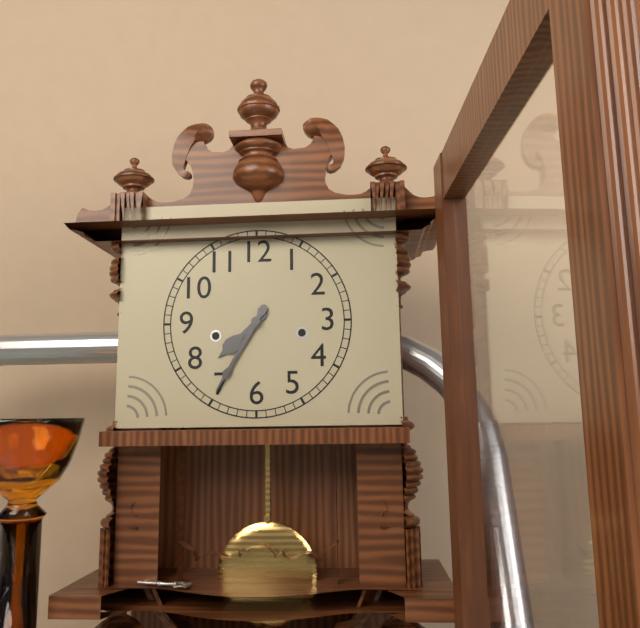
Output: h=7 m=35
